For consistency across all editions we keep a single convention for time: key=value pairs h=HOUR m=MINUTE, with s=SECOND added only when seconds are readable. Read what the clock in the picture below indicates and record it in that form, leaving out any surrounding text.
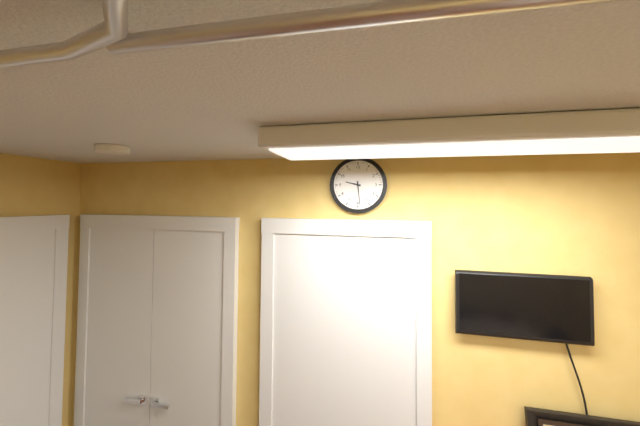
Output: h=9 m=29
